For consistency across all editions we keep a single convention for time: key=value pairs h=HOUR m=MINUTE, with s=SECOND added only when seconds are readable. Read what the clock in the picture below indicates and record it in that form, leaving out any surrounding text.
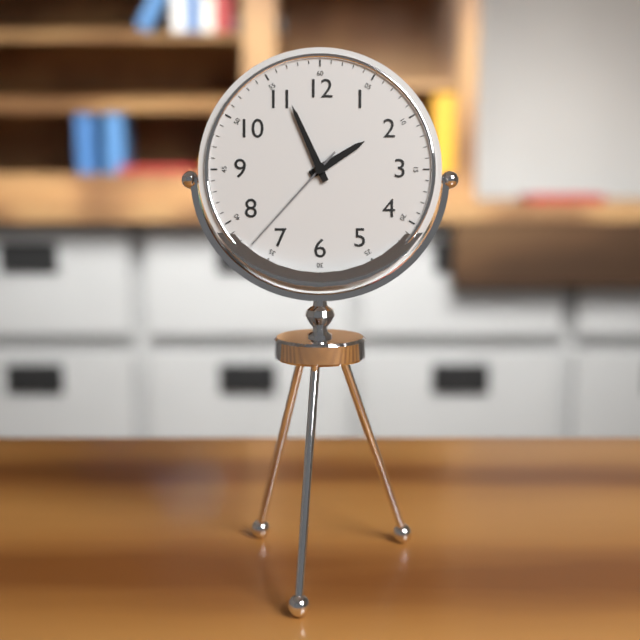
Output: h=1 m=56 s=37
